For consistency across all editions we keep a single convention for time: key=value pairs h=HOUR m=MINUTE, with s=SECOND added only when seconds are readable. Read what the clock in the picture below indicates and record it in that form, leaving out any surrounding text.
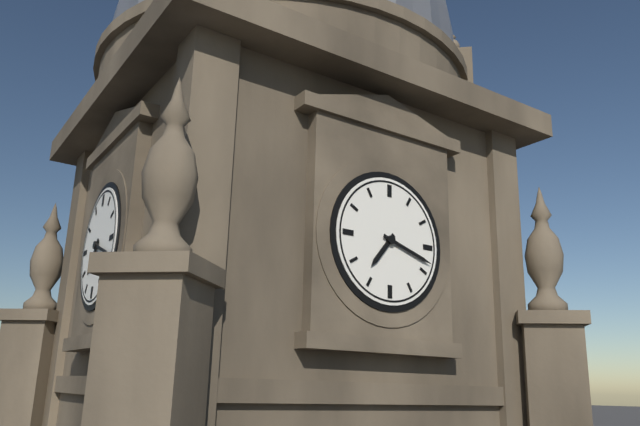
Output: h=7 m=18
